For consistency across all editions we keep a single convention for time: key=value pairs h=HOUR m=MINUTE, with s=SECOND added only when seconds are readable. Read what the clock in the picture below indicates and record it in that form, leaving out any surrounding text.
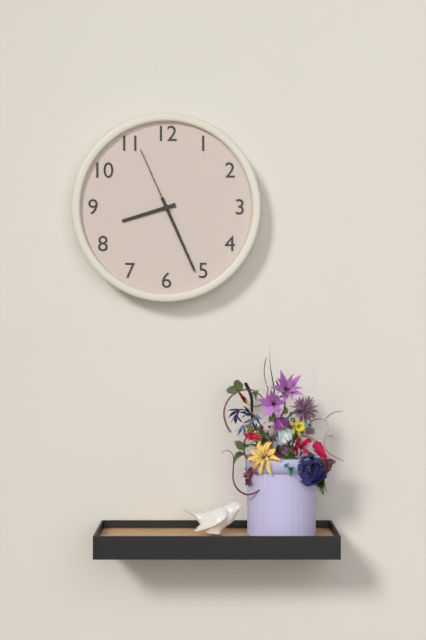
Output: h=8 m=26 s=56
